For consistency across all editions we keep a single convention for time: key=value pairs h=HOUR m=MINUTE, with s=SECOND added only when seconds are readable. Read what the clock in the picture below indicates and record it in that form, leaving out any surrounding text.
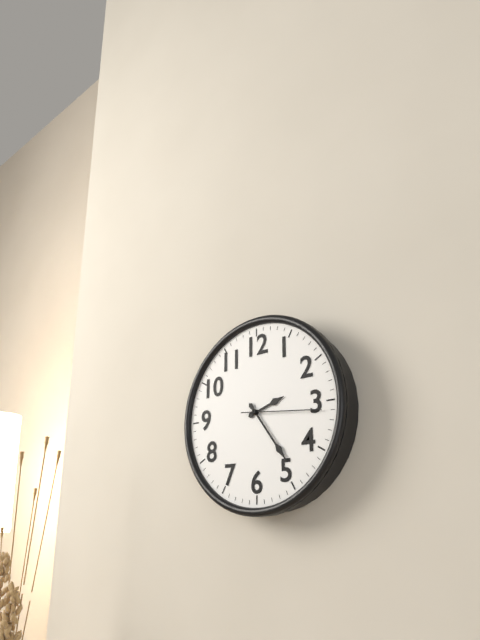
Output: h=2 m=24 s=16
